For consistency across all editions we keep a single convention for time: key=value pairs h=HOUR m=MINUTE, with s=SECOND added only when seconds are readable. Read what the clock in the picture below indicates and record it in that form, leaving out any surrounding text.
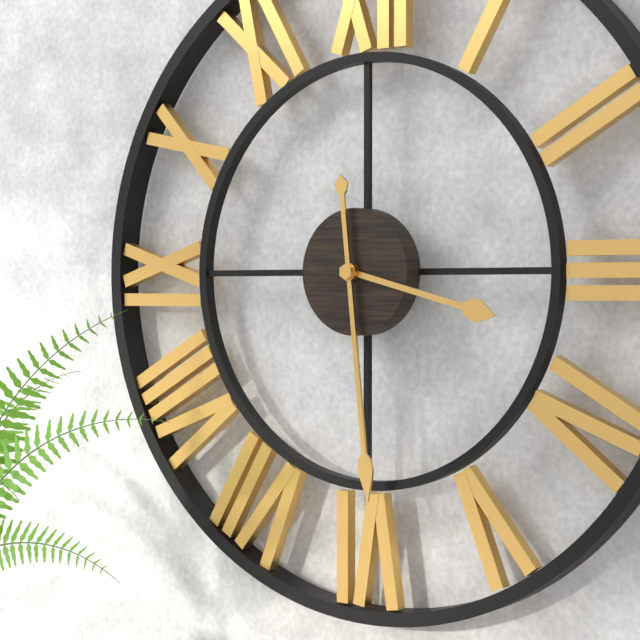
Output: h=3 m=29
